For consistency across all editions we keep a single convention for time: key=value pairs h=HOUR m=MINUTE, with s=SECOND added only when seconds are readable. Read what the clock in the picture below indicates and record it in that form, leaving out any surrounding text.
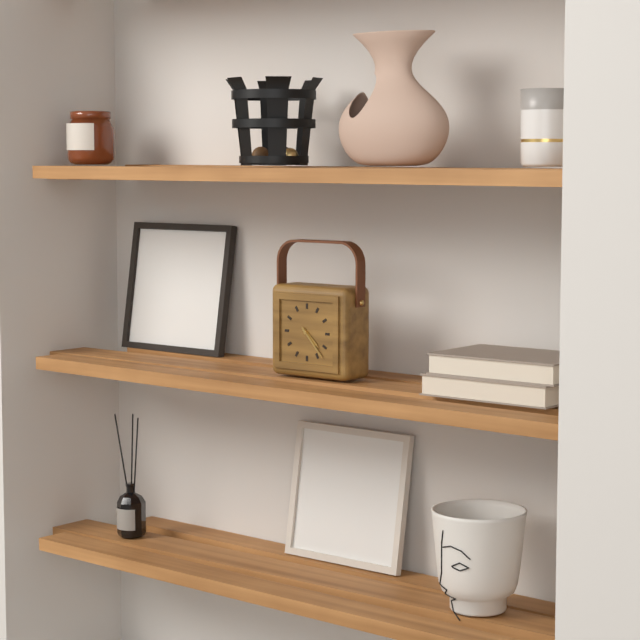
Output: h=4 m=23
